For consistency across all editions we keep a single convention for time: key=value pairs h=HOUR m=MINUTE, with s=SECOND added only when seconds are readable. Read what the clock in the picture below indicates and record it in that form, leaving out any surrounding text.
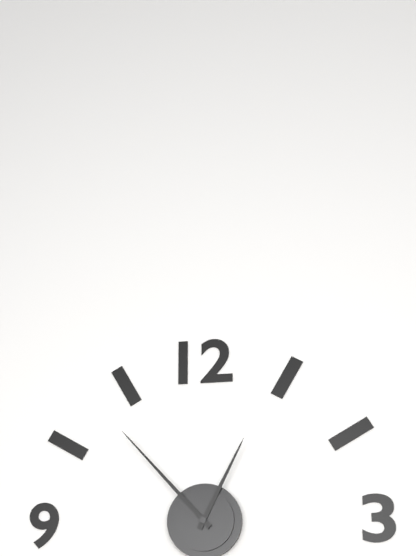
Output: h=12 m=53
